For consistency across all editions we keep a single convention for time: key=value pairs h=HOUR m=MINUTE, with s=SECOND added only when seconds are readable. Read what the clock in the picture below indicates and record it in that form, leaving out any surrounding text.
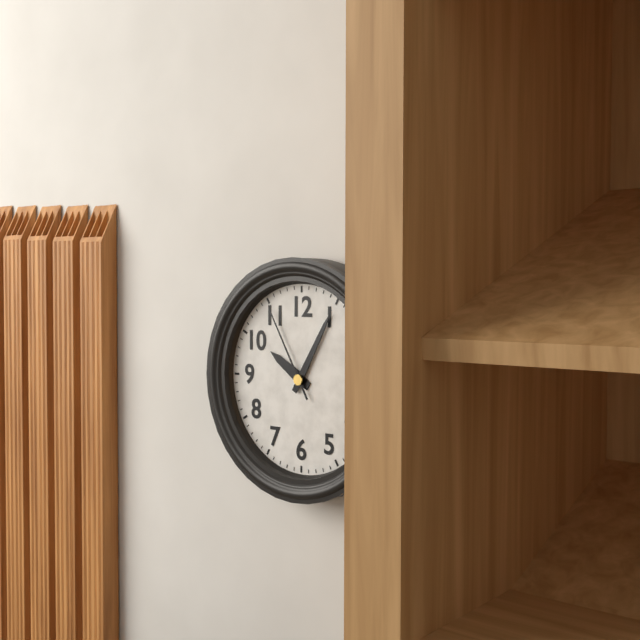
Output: h=10 m=5 s=55
